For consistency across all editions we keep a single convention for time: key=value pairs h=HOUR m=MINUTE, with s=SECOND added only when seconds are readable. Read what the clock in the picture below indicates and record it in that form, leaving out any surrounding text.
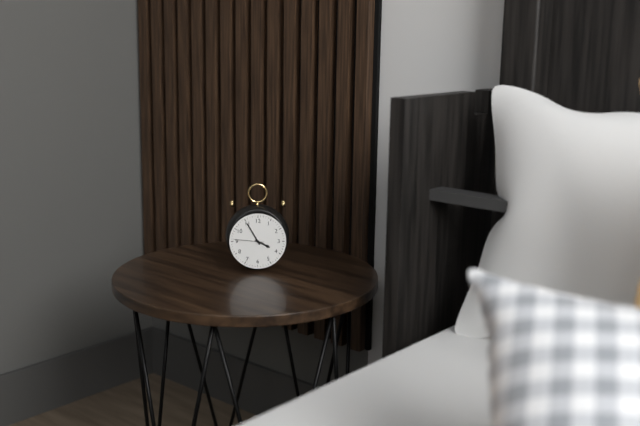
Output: h=3 m=55
